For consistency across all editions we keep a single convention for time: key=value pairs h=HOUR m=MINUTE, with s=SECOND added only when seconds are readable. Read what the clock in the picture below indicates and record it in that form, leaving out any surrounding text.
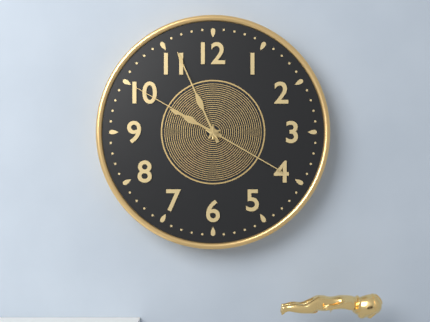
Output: h=9 m=56 s=50
